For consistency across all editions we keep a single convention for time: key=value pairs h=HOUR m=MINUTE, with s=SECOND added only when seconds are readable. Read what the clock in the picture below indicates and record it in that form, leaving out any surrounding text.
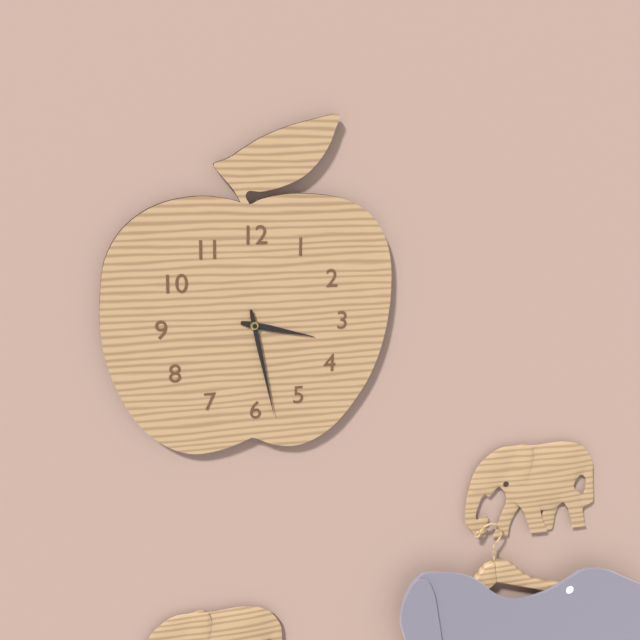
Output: h=3 m=28
